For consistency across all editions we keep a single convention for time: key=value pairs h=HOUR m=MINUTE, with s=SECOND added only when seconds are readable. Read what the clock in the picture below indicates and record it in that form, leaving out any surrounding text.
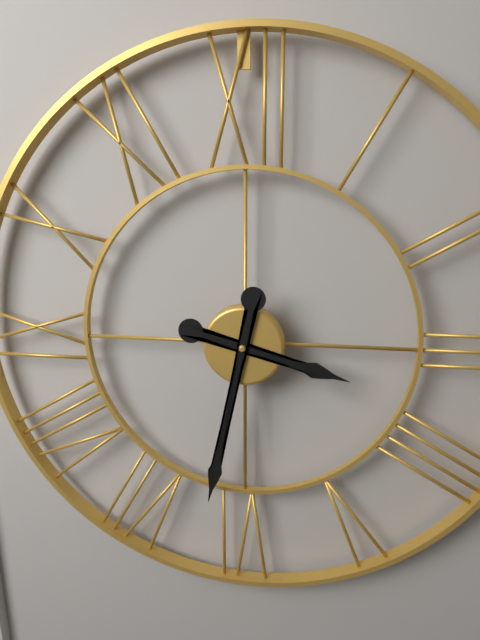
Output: h=3 m=32
